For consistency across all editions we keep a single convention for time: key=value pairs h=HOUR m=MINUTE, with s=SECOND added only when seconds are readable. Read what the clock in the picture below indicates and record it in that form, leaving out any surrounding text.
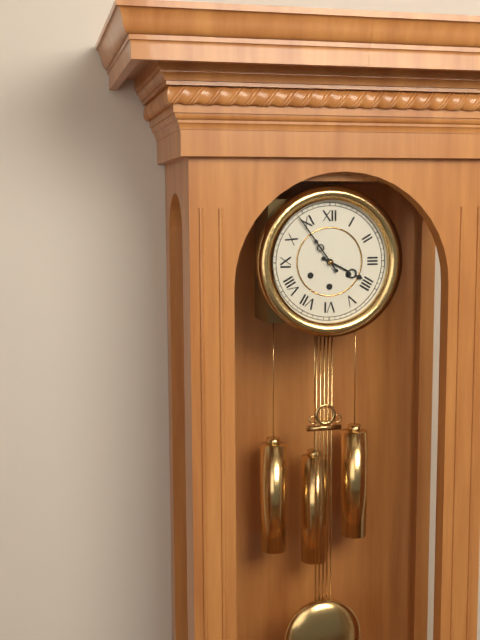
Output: h=3 m=54
